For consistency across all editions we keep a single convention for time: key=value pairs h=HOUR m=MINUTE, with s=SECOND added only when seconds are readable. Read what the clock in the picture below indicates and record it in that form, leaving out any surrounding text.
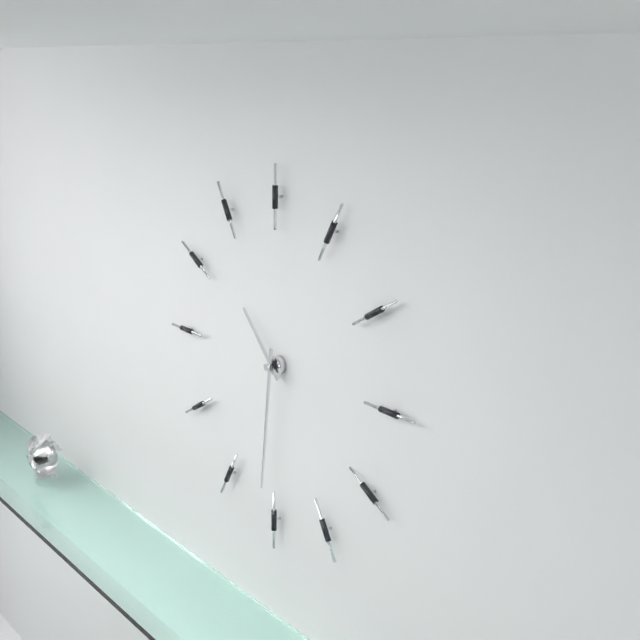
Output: h=10 m=31
